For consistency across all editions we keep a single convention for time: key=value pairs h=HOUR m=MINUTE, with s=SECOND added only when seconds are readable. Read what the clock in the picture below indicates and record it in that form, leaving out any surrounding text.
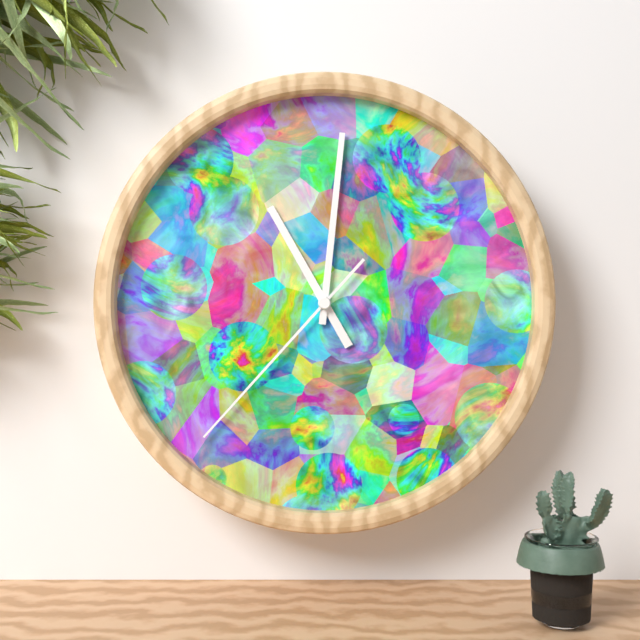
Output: h=11 m=1 s=37
